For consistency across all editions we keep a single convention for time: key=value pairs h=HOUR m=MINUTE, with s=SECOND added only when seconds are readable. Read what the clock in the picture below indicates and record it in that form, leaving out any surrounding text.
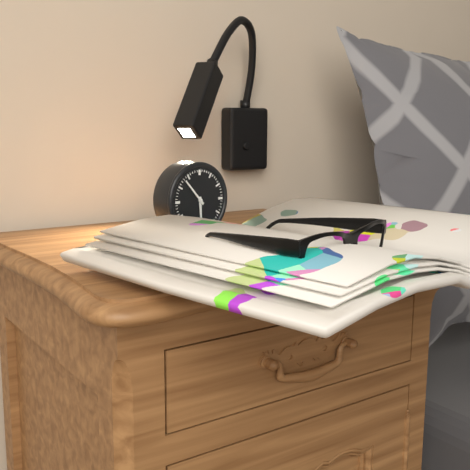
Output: h=5 m=53
